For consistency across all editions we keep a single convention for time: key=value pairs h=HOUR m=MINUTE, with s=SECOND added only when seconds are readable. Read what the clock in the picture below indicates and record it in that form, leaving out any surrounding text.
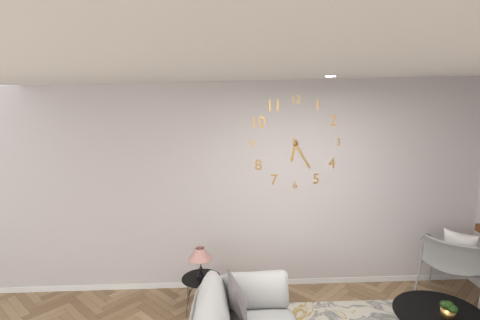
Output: h=6 m=25
